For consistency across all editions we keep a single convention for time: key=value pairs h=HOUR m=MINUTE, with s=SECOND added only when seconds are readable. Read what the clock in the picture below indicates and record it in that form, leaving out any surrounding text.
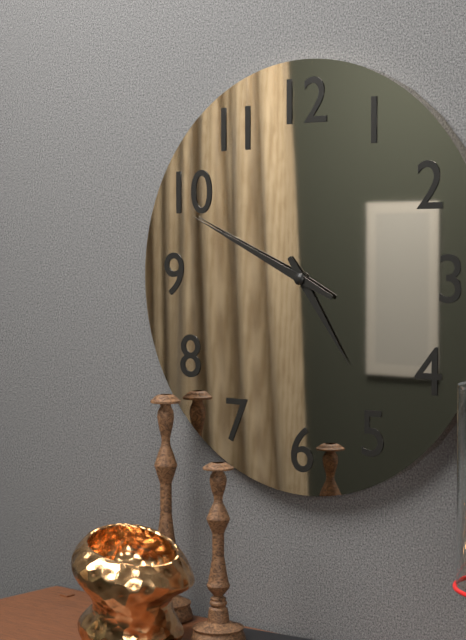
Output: h=4 m=49
